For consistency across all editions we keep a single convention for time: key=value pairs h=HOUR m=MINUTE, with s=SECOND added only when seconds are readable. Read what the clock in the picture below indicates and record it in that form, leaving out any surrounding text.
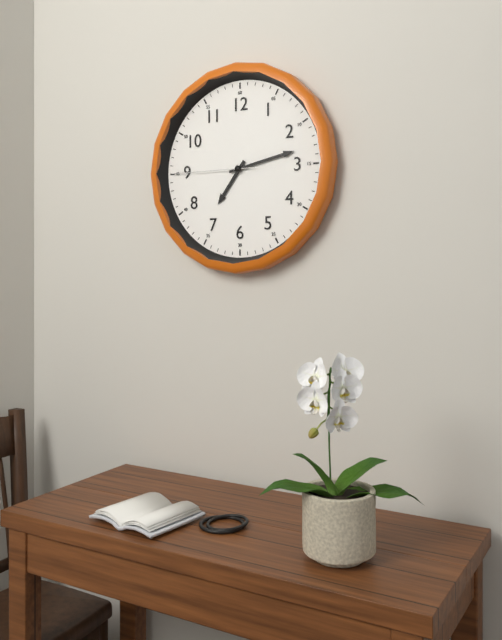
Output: h=7 m=13 s=45
